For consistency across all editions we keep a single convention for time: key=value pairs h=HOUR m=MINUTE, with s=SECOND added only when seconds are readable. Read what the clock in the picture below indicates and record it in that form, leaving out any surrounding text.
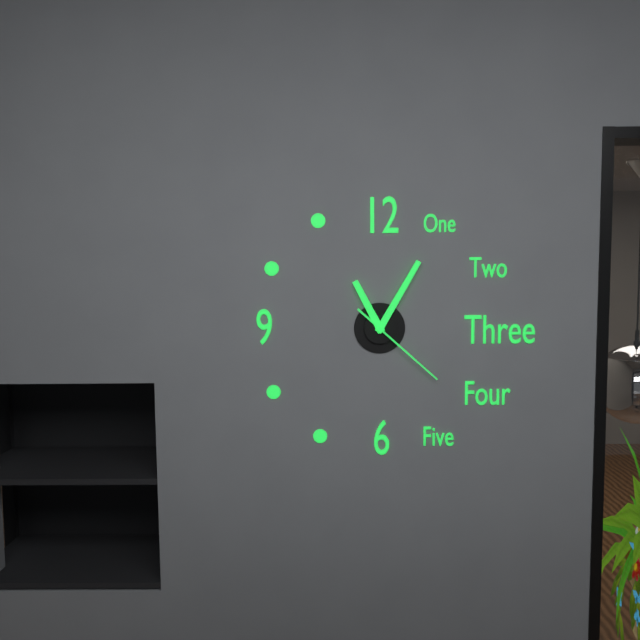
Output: h=11 m=5 s=22
